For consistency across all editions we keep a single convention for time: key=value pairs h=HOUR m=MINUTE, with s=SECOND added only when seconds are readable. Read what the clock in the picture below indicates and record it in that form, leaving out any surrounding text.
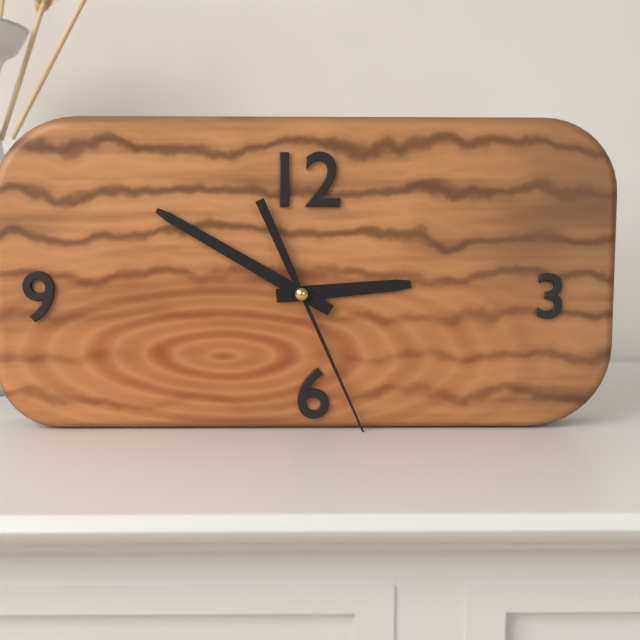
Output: h=2 m=50 s=26
